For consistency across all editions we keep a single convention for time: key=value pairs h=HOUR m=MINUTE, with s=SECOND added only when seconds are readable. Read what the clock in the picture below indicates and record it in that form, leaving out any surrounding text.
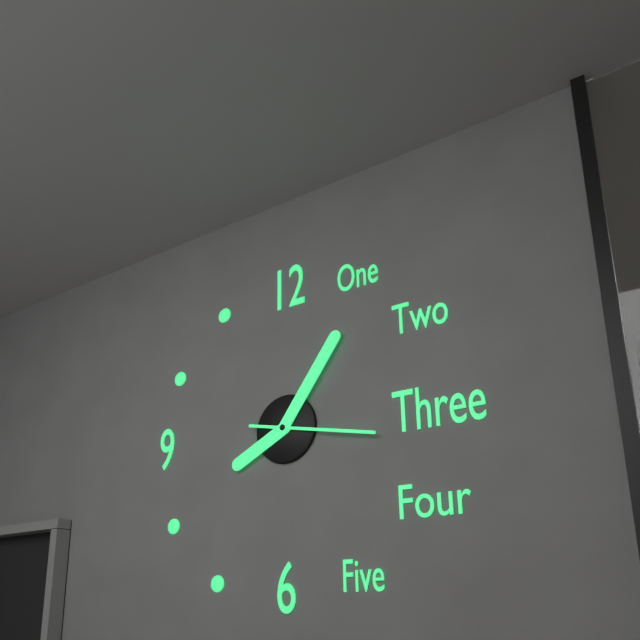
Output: h=8 m=6 s=17
